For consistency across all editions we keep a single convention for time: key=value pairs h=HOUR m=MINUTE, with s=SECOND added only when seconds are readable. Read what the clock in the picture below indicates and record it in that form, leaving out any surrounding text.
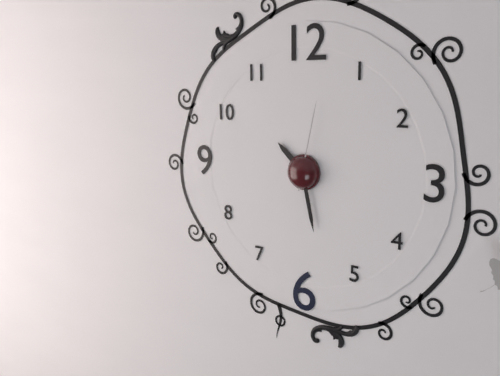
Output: h=10 m=28 s=2
